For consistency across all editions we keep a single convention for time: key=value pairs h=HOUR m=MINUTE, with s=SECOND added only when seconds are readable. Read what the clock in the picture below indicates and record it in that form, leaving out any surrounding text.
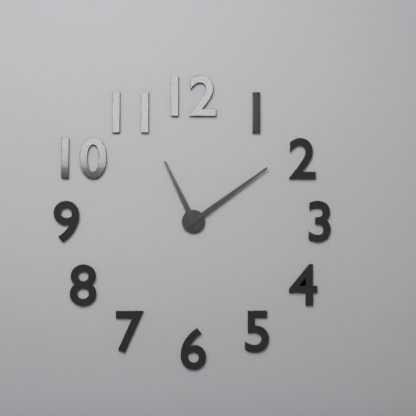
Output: h=11 m=9
